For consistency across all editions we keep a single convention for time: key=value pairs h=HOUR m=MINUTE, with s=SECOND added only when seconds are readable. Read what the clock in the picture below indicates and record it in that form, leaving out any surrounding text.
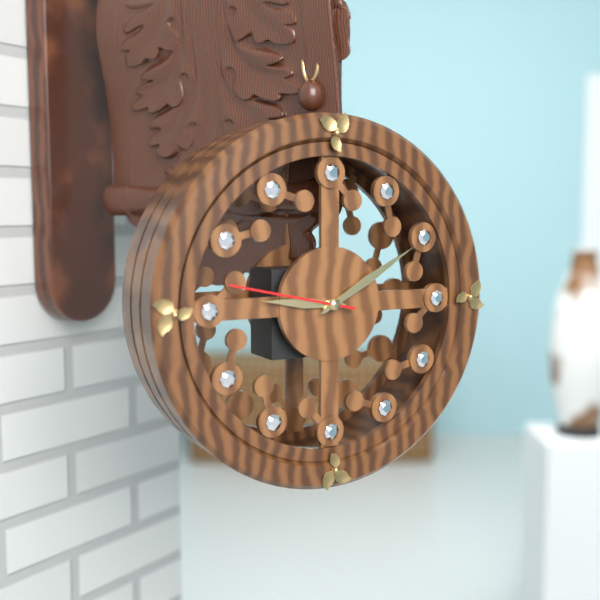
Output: h=9 m=10 s=47
